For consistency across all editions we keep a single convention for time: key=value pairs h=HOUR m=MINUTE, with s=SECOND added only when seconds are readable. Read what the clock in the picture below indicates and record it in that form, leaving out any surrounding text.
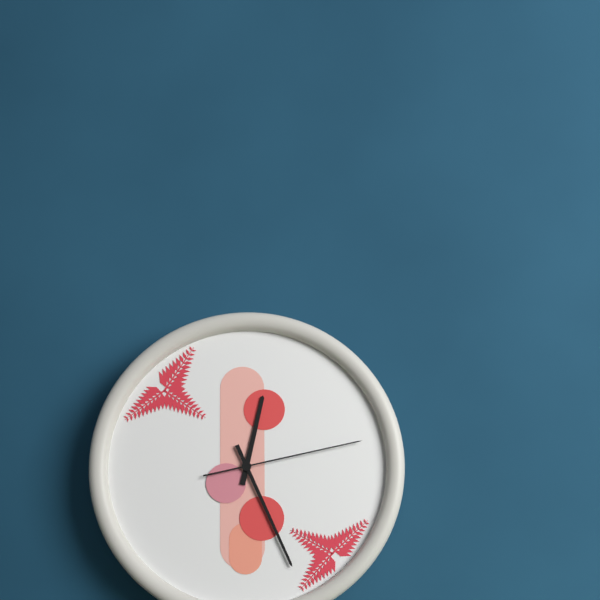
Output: h=12 m=26 s=13
